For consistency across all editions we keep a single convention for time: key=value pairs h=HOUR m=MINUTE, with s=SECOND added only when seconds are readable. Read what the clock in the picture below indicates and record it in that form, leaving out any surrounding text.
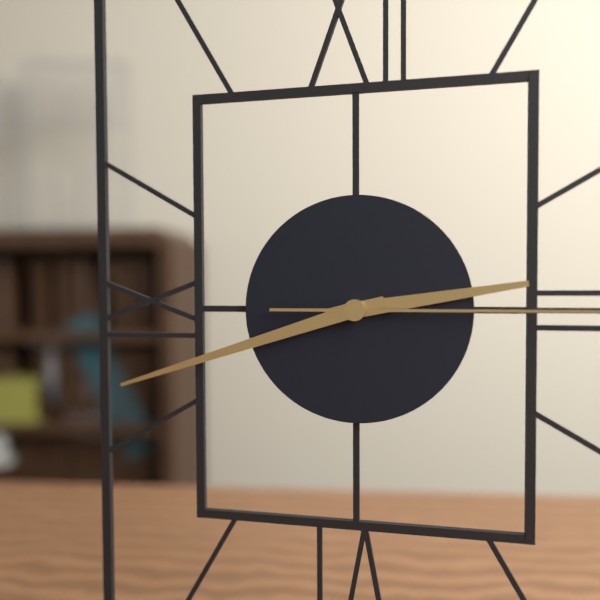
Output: h=2 m=42
